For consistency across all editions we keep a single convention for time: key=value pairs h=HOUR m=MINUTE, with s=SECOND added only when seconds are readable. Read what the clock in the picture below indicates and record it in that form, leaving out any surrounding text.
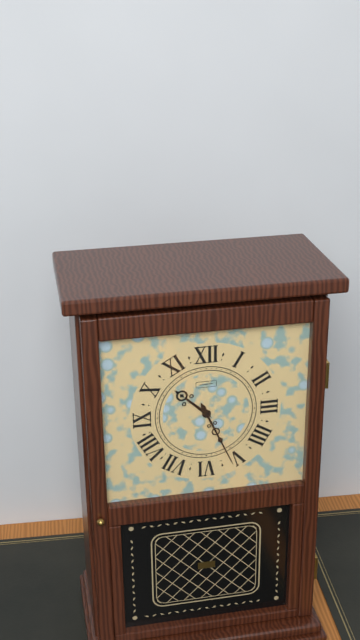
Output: h=10 m=26
